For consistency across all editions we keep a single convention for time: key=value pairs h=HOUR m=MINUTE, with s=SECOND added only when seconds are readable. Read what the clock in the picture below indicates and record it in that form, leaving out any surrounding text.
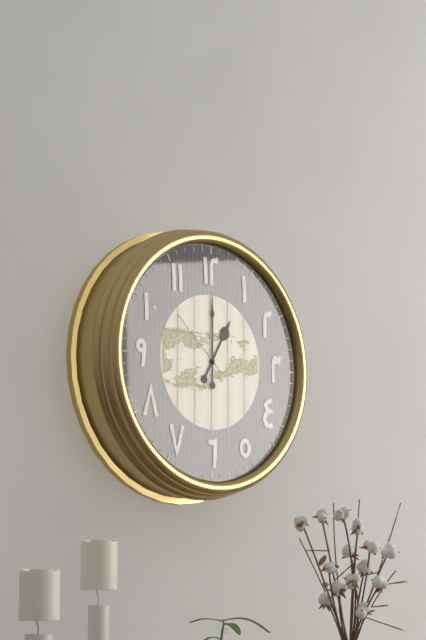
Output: h=1 m=0 s=52
